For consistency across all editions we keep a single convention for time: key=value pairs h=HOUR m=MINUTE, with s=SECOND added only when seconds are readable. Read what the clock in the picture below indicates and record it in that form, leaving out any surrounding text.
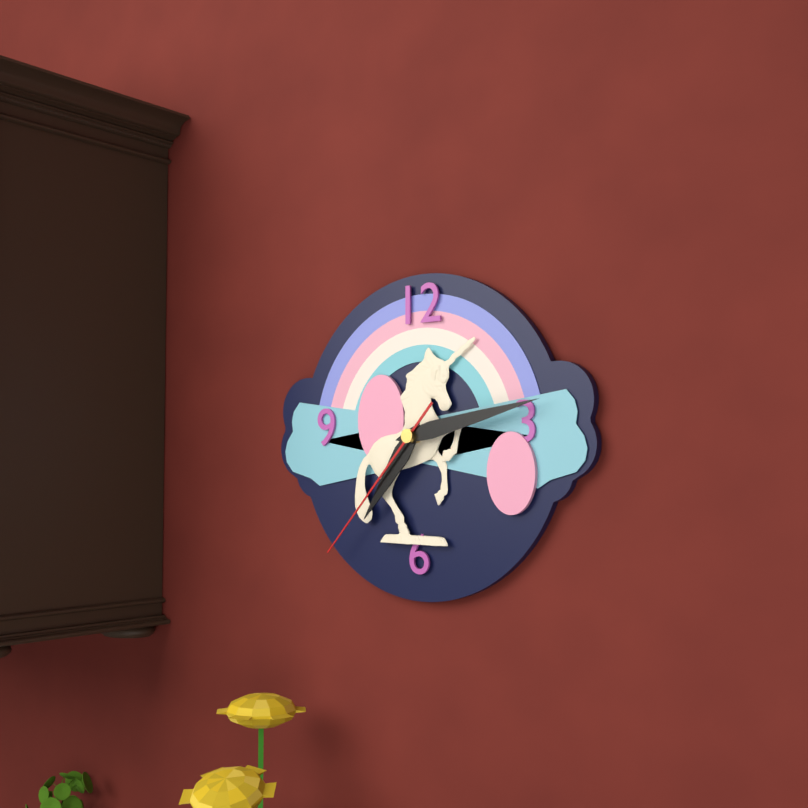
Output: h=7 m=13 s=37
